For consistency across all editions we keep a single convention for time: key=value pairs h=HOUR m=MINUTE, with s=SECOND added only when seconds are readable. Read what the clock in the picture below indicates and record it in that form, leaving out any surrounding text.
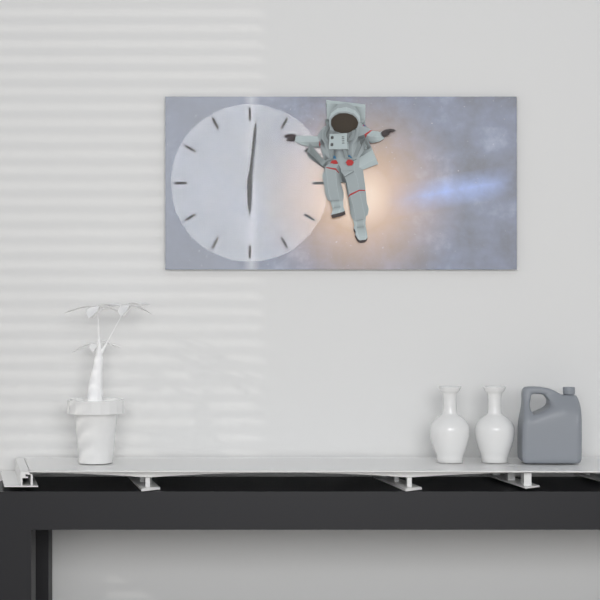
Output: h=6 m=1
